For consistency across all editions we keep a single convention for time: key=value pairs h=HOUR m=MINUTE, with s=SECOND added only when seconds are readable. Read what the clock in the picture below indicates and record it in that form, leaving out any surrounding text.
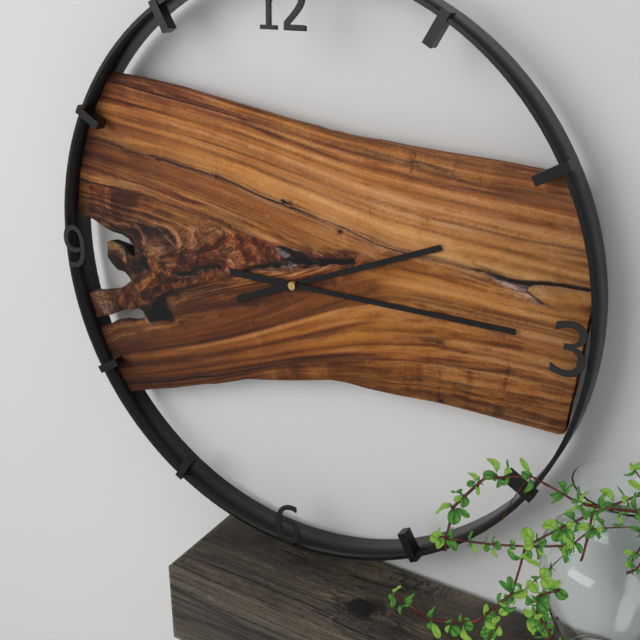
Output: h=2 m=15
